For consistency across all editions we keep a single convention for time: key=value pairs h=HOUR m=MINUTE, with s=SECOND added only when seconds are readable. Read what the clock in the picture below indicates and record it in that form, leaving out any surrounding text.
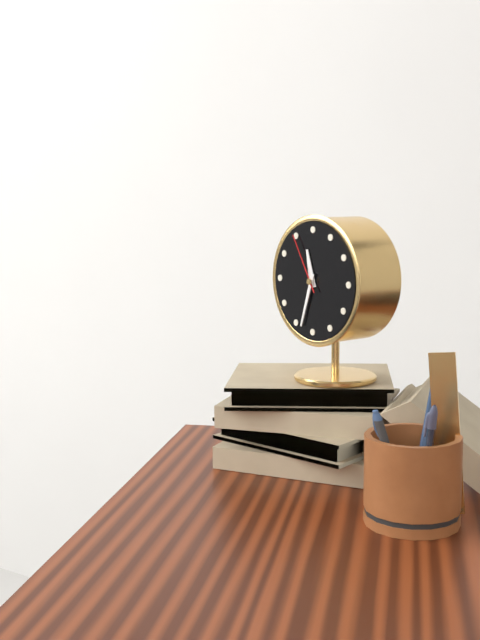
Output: h=11 m=33 s=55
